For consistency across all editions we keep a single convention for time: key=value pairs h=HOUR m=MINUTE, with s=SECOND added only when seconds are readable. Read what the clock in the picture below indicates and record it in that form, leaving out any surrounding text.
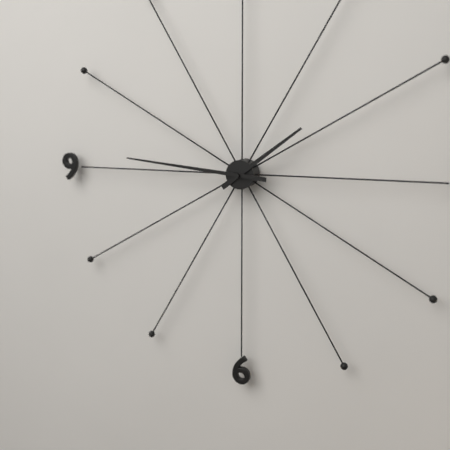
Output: h=1 m=46
